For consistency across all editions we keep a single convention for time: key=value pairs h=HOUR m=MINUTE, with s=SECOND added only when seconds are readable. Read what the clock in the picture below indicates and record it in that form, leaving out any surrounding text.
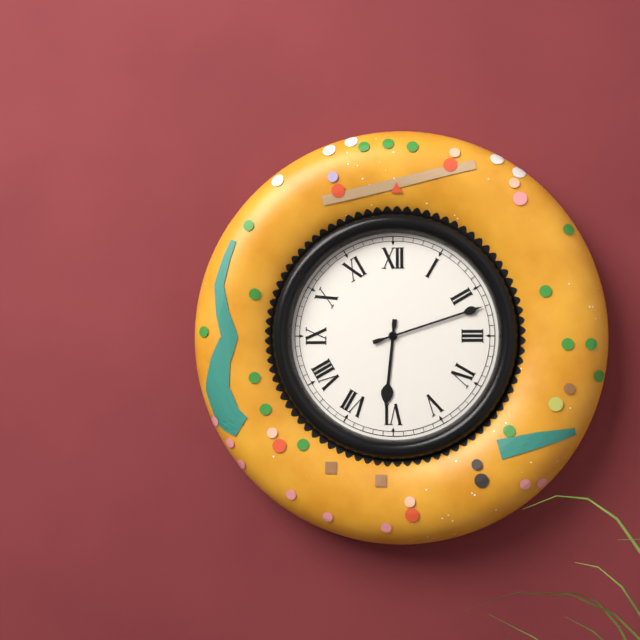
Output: h=6 m=12
